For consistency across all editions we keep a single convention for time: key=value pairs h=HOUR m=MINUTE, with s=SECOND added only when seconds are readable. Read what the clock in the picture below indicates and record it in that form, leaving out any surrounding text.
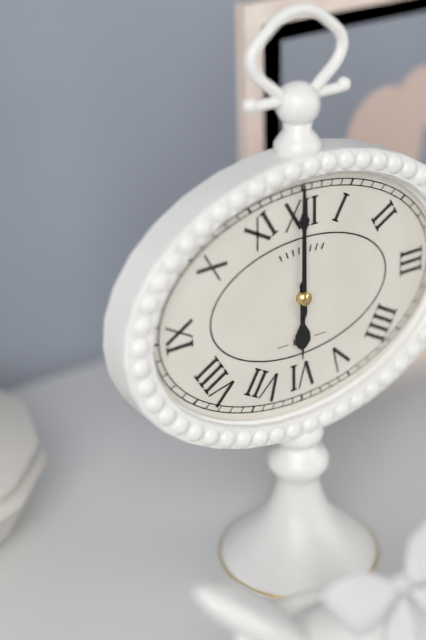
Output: h=6 m=0
